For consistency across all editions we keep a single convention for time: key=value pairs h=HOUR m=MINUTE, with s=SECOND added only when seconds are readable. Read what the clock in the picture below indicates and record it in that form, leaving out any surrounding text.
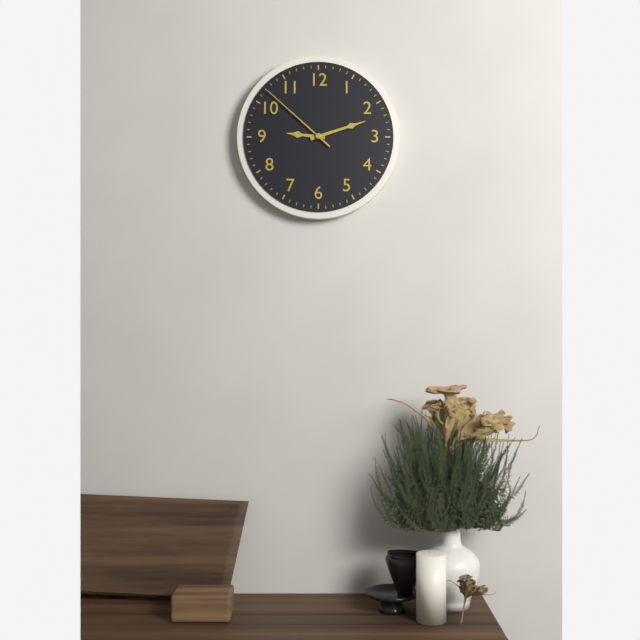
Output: h=9 m=12 s=52
